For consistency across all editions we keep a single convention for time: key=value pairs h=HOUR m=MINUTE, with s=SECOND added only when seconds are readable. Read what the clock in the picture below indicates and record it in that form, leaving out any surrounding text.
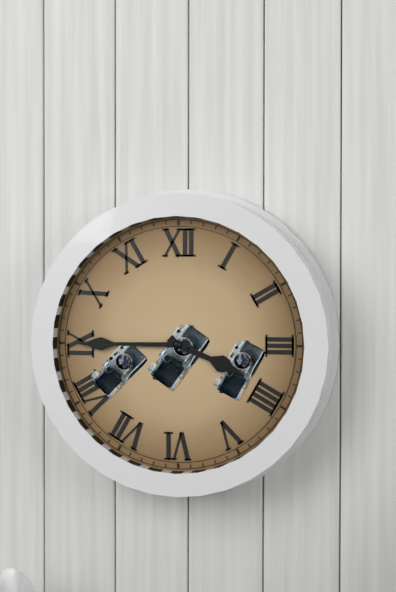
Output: h=3 m=45
